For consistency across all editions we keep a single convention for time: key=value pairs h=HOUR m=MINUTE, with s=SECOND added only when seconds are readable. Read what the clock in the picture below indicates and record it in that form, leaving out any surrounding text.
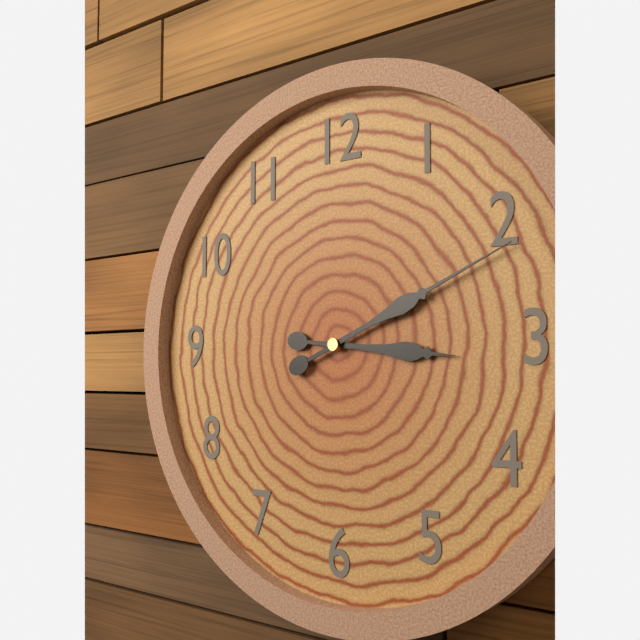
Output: h=3 m=11
